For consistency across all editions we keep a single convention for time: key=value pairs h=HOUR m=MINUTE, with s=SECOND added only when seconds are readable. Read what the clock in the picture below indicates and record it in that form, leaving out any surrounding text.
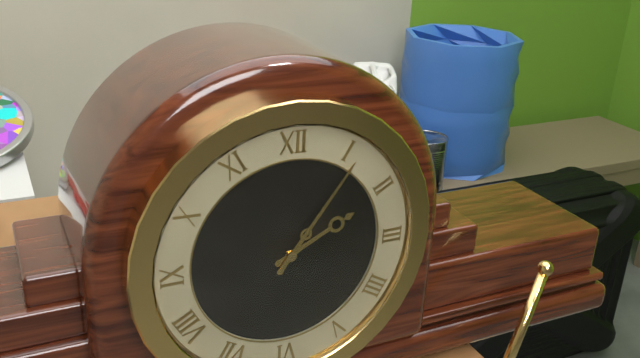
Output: h=2 m=6
